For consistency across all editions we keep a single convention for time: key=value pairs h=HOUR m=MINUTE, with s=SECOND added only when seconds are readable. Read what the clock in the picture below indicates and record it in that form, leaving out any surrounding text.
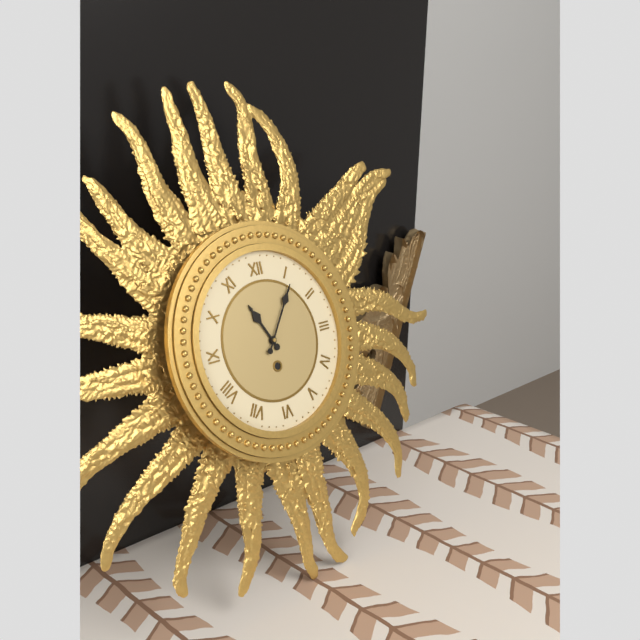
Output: h=11 m=6
